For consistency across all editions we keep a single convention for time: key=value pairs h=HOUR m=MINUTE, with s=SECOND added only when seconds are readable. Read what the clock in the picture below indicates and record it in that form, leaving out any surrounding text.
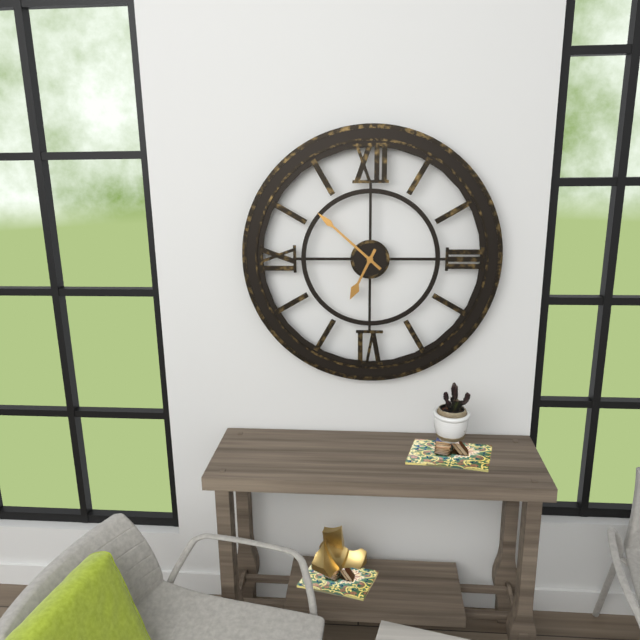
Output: h=6 m=52
